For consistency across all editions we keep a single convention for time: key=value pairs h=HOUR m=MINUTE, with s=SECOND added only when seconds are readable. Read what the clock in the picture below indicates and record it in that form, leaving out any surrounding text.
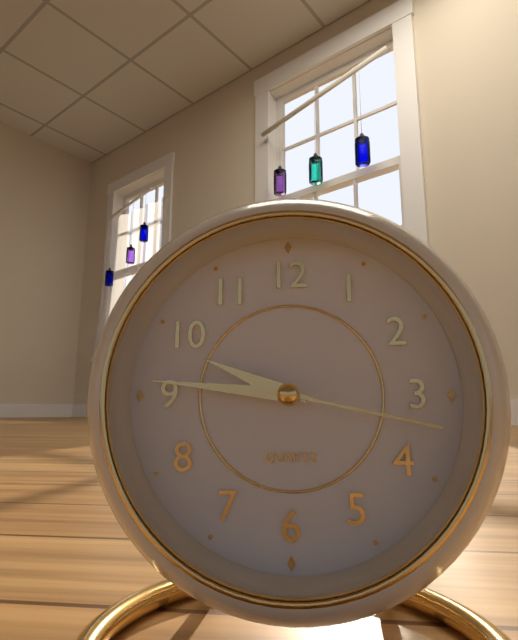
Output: h=9 m=46 s=17
